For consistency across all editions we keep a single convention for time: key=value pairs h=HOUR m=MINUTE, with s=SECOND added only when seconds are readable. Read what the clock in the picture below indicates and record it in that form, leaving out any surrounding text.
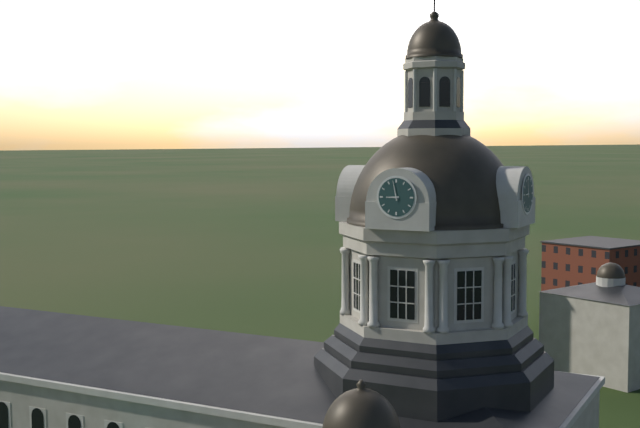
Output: h=8 m=58
